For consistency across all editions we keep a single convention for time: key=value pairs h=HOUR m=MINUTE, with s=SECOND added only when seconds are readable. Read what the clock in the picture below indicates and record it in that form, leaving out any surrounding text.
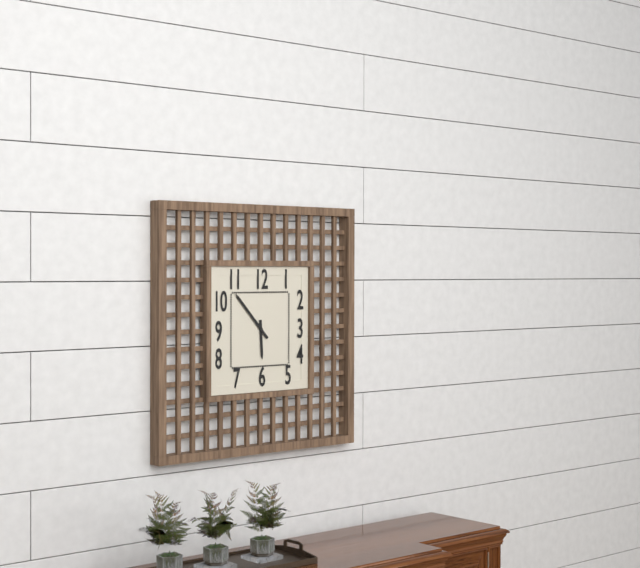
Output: h=5 m=53
